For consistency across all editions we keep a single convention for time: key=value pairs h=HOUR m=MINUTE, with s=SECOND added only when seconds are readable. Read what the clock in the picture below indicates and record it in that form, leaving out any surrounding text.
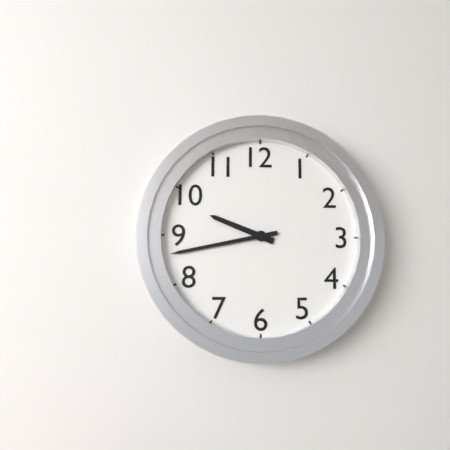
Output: h=9 m=43
